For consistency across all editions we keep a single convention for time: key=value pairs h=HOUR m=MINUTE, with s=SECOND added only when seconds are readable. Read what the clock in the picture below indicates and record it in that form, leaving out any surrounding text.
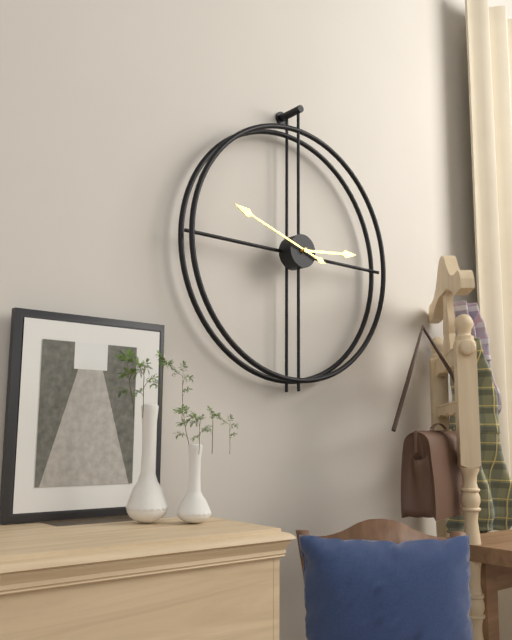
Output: h=2 m=48
